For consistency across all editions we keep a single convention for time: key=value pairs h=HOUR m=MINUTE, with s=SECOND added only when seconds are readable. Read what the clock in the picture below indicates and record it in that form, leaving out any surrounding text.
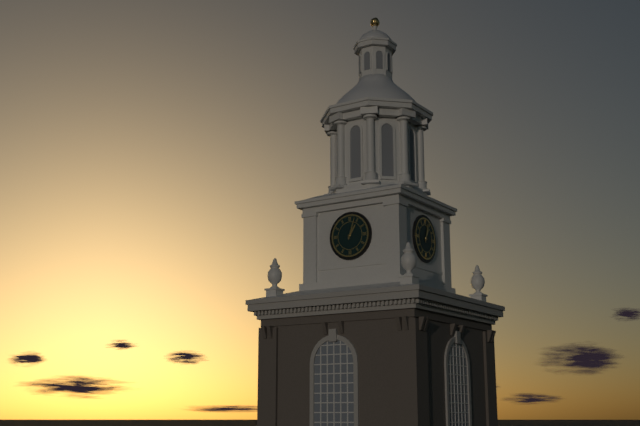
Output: h=1 m=3
